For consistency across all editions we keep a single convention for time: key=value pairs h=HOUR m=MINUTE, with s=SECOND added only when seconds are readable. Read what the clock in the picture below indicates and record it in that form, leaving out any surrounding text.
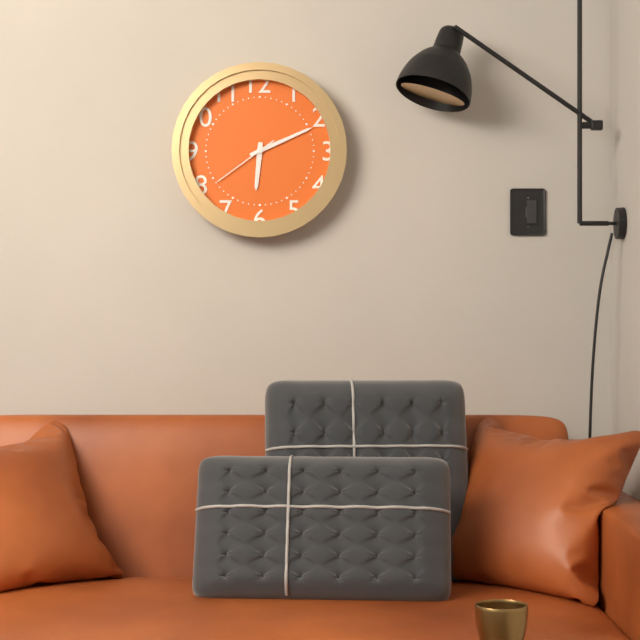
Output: h=6 m=11 s=39
